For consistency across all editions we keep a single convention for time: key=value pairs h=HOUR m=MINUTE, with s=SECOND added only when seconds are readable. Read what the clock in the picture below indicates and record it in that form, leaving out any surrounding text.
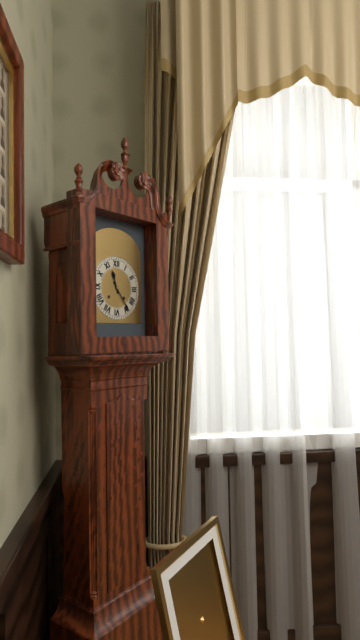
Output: h=11 m=24
